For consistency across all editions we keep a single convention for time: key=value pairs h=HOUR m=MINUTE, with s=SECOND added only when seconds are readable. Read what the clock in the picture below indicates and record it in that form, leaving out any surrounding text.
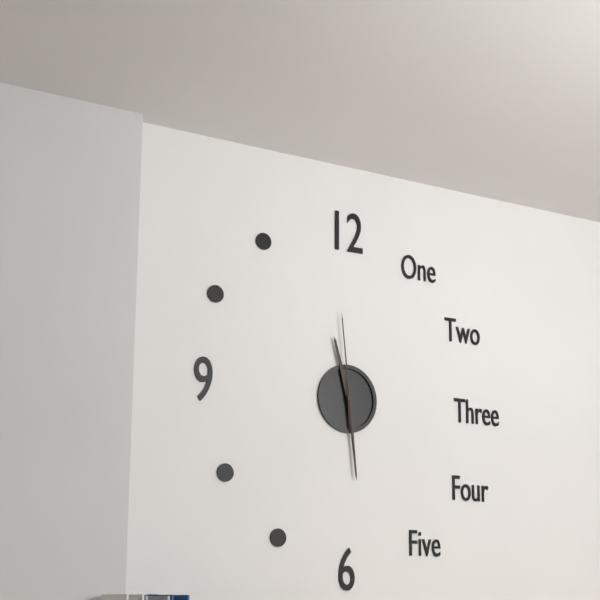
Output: h=11 m=29 s=59
